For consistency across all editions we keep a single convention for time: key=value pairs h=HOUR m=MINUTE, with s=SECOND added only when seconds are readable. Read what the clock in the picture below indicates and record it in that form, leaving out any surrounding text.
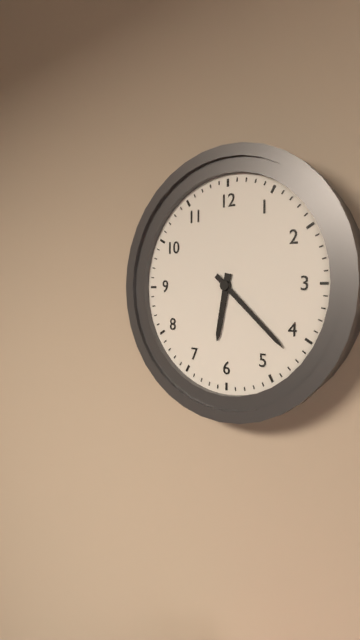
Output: h=6 m=22
